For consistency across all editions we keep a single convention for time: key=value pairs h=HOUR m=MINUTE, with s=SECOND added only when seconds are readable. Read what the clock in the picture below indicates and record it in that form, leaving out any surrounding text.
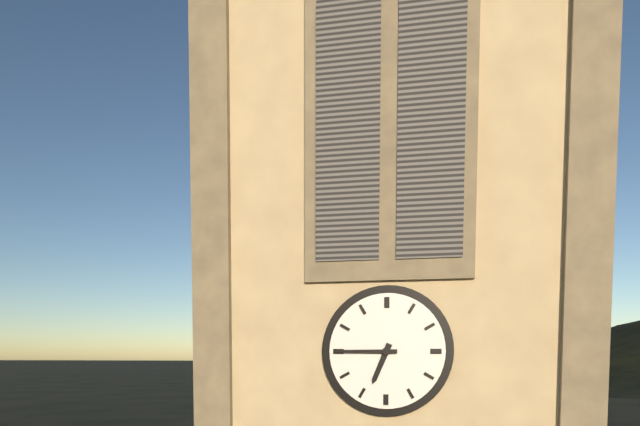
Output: h=6 m=45
